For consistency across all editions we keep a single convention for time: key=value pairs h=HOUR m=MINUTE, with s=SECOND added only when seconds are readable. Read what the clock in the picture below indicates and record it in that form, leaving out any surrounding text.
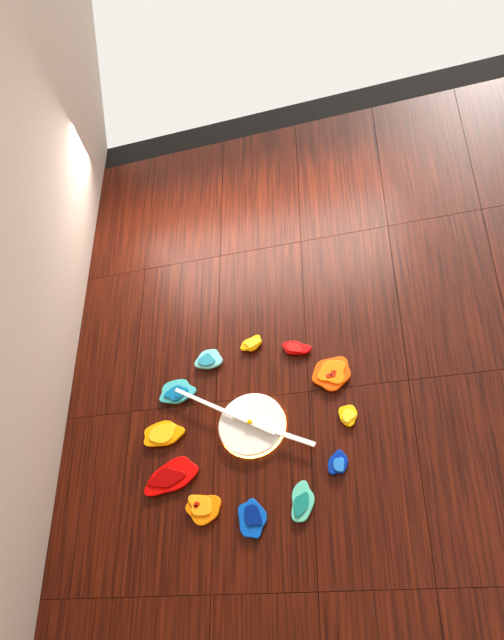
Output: h=3 m=50
